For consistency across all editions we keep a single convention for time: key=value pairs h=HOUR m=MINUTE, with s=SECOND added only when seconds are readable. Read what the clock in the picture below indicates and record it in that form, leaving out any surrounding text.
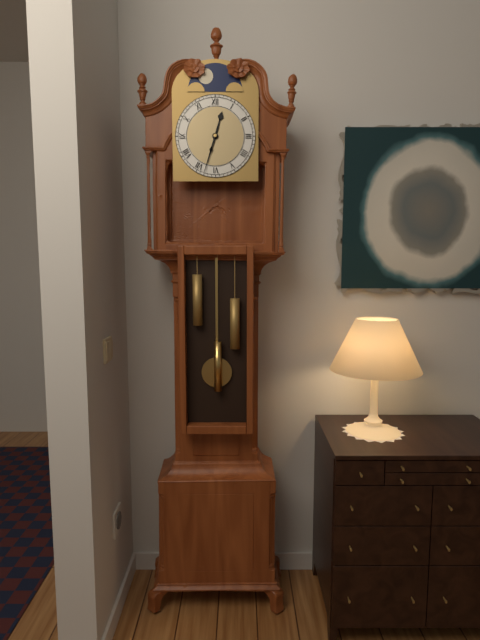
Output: h=12 m=33
